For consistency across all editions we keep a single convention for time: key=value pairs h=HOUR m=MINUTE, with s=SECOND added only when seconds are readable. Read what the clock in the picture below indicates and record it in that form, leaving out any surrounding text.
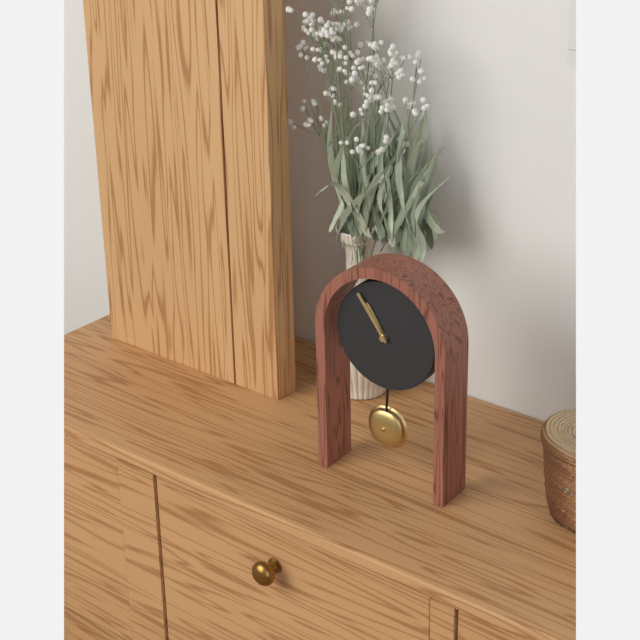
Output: h=10 m=54
